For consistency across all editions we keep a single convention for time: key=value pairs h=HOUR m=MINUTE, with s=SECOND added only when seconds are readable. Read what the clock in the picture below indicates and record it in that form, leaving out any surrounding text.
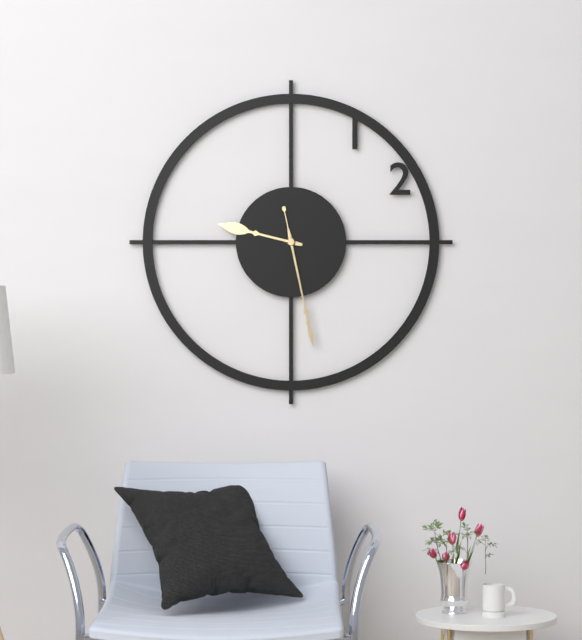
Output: h=9 m=28 s=28
